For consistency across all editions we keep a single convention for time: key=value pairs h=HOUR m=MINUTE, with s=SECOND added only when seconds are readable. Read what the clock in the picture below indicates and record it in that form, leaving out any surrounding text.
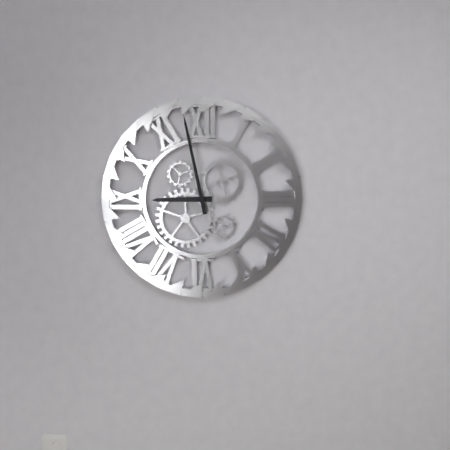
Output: h=8 m=58
